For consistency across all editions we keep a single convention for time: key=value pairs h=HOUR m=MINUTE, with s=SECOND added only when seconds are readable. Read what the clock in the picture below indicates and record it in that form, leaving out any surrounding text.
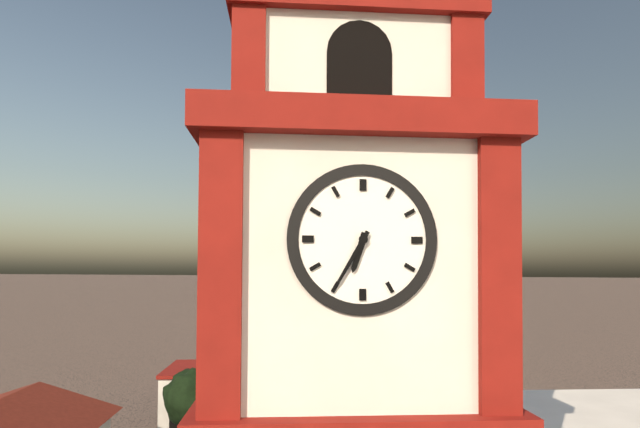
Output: h=6 m=35
